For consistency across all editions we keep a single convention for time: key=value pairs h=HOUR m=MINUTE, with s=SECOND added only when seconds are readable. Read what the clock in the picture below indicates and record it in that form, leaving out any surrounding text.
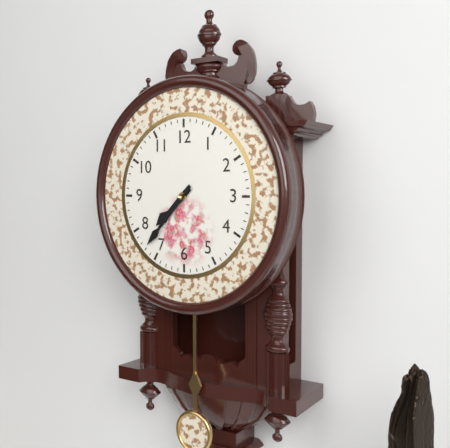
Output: h=7 m=37
